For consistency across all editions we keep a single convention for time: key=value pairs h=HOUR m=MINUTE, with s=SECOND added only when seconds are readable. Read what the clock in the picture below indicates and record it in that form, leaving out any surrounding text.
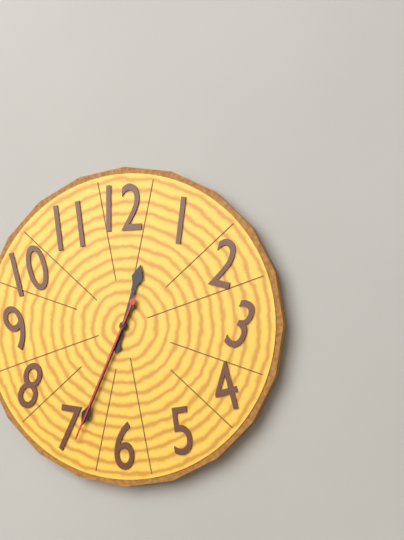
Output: h=12 m=34 s=34
